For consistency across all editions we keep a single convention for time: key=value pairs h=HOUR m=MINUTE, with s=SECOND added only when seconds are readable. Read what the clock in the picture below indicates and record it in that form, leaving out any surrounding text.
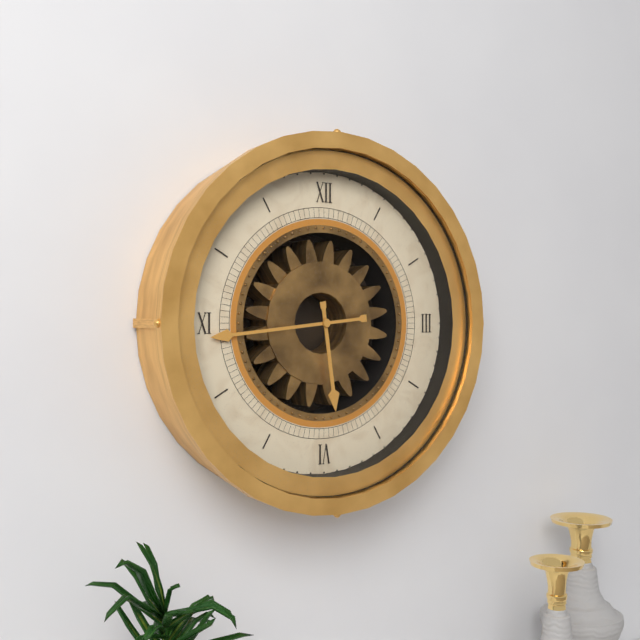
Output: h=5 m=44
